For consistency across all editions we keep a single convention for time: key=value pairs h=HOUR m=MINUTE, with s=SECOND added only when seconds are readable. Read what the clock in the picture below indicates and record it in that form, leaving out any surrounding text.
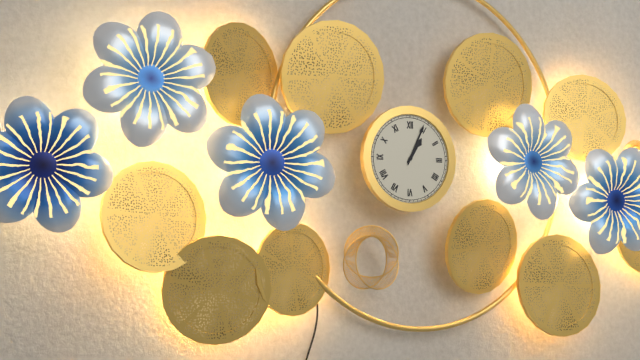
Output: h=1 m=4
